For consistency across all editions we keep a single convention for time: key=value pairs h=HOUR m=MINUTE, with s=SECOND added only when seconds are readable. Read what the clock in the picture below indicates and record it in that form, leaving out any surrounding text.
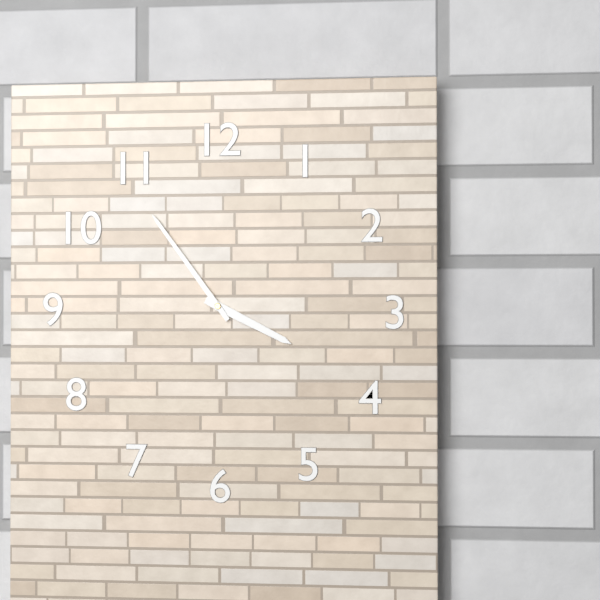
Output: h=3 m=54
